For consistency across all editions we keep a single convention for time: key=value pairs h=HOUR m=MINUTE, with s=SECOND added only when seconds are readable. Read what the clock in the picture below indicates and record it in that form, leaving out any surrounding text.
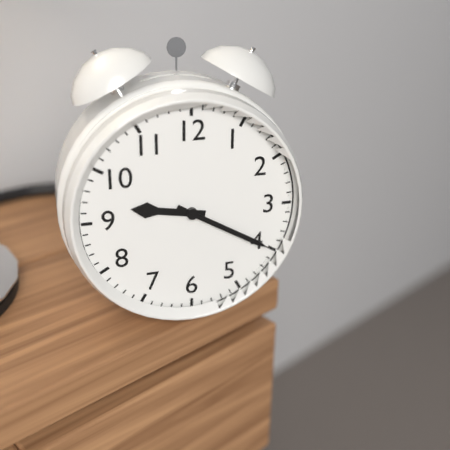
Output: h=9 m=20
